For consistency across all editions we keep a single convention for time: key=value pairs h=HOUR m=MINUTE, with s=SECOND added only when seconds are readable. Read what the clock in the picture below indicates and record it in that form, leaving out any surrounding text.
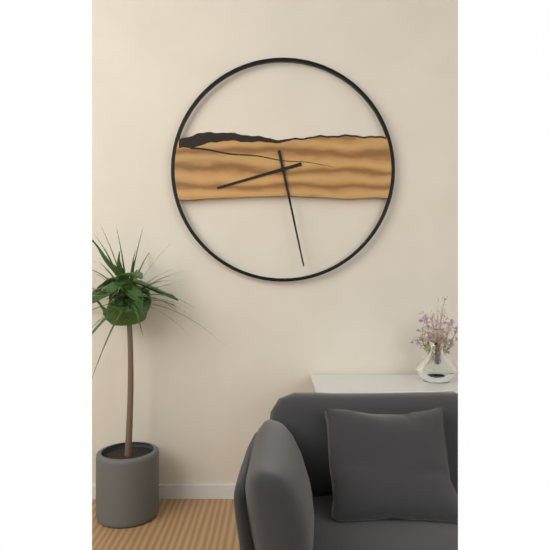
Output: h=8 m=28
